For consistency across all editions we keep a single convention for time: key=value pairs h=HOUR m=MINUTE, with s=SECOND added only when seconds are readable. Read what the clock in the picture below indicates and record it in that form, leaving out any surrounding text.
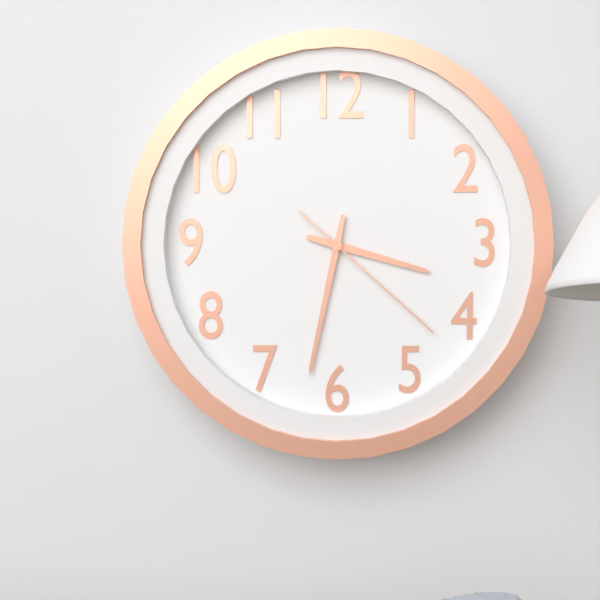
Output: h=3 m=32 s=22
